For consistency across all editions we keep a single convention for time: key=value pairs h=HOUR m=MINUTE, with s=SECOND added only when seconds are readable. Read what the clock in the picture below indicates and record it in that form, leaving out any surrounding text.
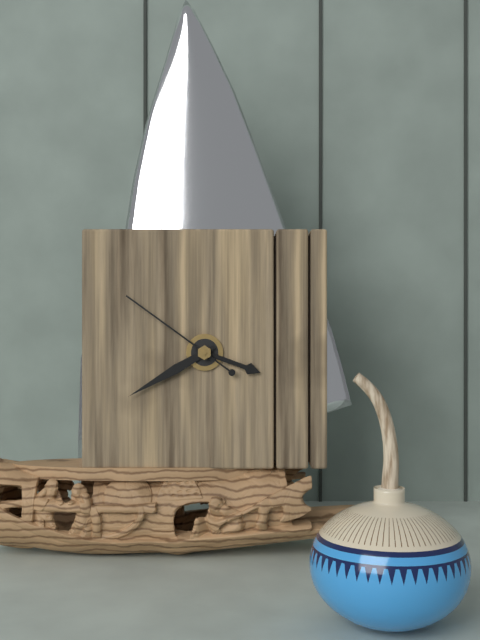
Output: h=3 m=40 s=51
